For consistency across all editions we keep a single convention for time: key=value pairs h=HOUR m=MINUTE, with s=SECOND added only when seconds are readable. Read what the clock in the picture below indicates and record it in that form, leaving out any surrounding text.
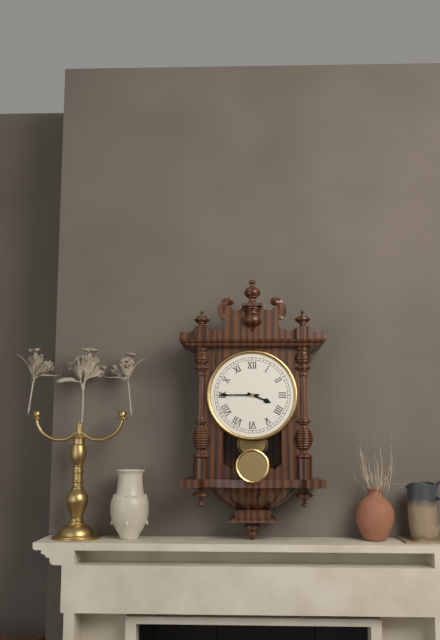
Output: h=3 m=45
